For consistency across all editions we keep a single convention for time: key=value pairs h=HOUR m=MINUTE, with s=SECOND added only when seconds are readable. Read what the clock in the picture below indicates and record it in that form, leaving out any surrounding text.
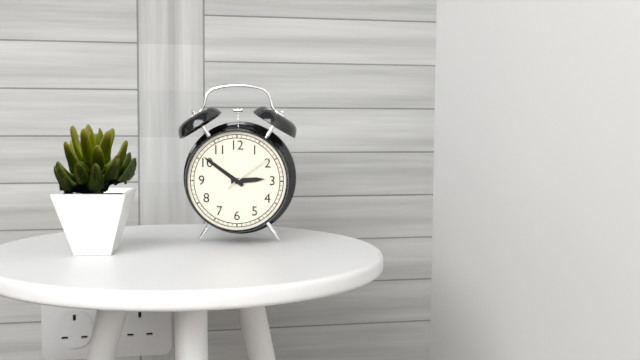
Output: h=2 m=51 s=9
